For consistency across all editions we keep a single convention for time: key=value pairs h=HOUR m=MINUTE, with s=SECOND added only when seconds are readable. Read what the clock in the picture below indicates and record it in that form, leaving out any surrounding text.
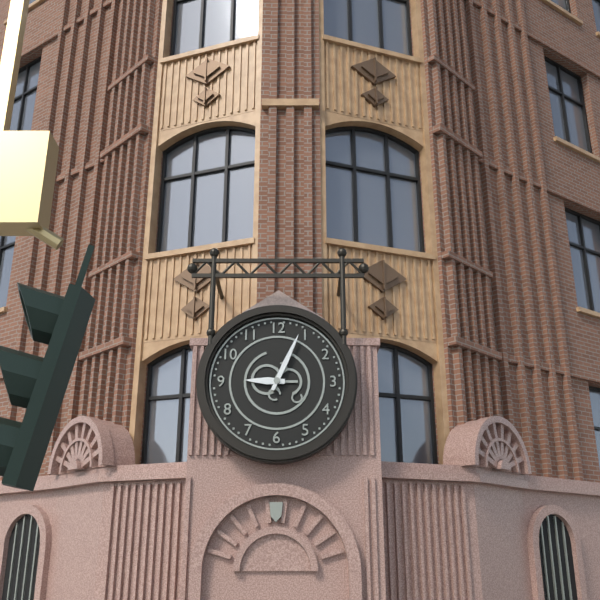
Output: h=9 m=4
